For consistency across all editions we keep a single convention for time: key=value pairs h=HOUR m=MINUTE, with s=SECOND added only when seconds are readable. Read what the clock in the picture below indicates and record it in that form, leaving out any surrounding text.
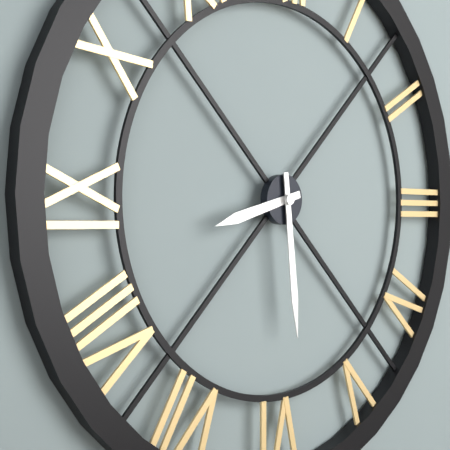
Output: h=8 m=29
